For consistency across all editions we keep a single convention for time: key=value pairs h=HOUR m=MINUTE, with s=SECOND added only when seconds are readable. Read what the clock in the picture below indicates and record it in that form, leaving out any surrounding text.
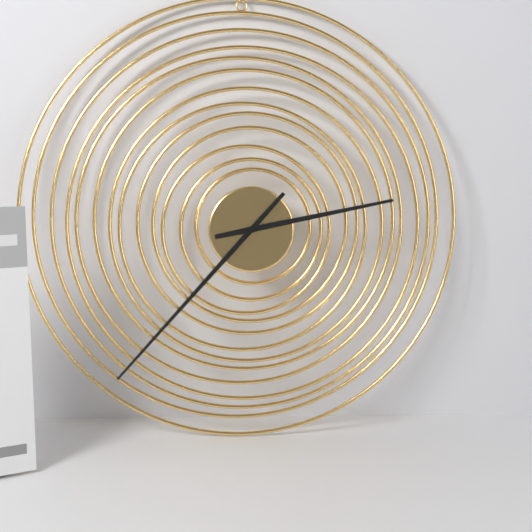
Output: h=2 m=37
